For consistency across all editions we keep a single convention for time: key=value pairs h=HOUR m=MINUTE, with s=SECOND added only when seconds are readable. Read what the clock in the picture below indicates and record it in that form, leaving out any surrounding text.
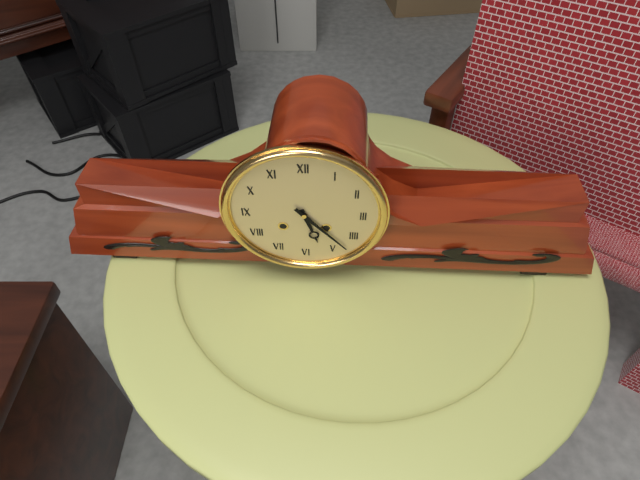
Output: h=5 m=23
